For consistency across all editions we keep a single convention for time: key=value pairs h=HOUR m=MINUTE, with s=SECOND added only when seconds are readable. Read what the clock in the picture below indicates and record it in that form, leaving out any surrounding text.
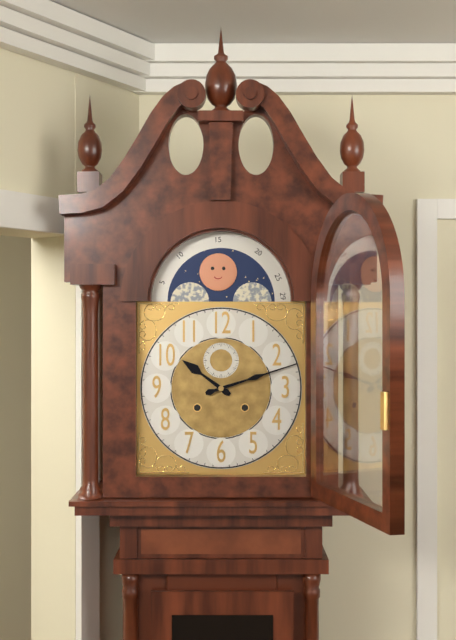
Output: h=10 m=12
